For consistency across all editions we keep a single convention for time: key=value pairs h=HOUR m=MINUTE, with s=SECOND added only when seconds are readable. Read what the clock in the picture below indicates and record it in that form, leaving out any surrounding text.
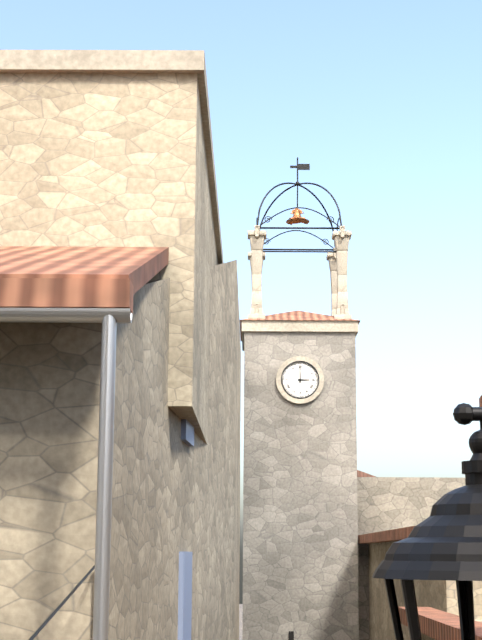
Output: h=3 m=0
